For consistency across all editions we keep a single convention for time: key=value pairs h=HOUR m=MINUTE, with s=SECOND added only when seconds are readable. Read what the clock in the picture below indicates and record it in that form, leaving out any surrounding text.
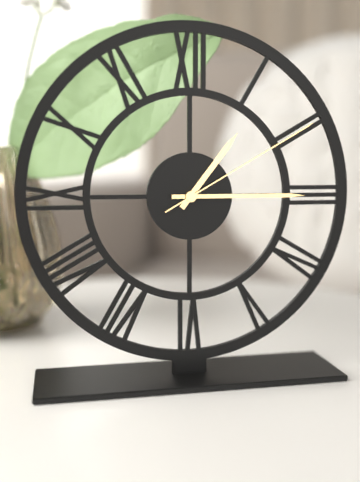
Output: h=1 m=15 s=10
